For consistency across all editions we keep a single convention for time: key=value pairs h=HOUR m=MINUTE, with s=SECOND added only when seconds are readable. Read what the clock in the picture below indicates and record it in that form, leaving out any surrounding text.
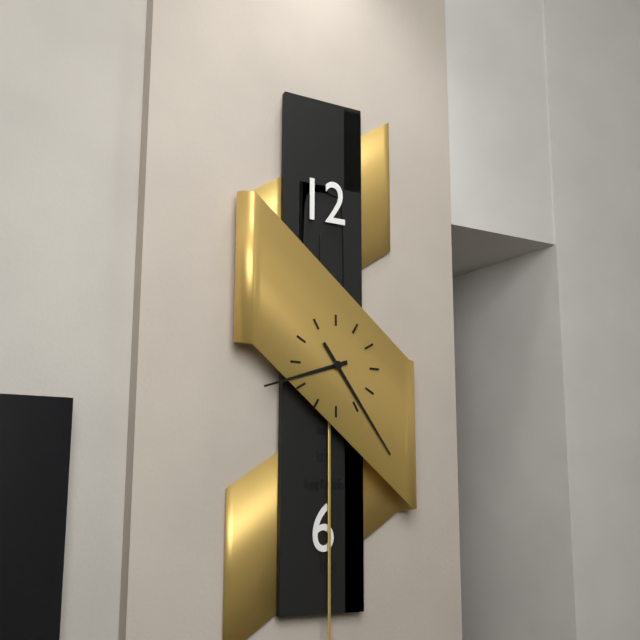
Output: h=8 m=24
